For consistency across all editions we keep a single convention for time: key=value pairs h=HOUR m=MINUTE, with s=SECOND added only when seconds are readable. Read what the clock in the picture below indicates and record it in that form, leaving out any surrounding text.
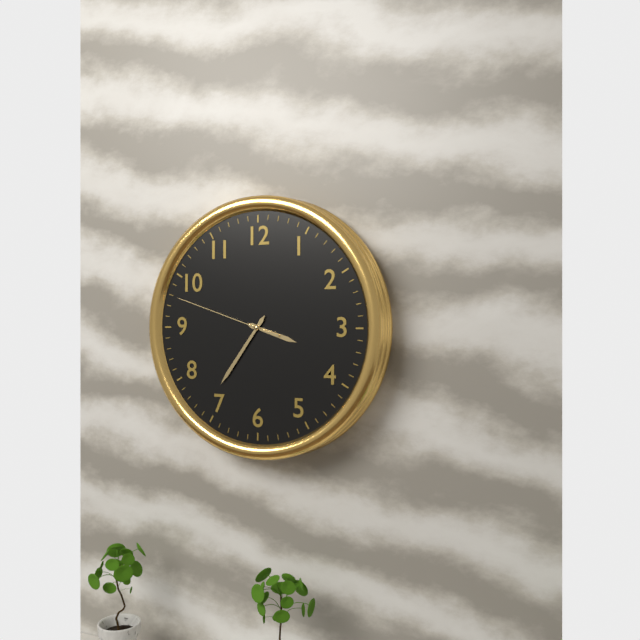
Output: h=3 m=36 s=48
